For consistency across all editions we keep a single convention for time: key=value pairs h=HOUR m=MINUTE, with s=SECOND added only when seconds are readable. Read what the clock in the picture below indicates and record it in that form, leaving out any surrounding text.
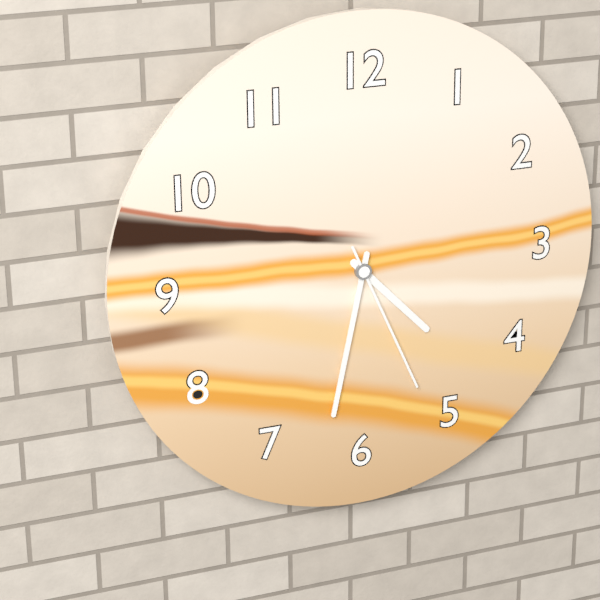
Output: h=4 m=32 s=26
